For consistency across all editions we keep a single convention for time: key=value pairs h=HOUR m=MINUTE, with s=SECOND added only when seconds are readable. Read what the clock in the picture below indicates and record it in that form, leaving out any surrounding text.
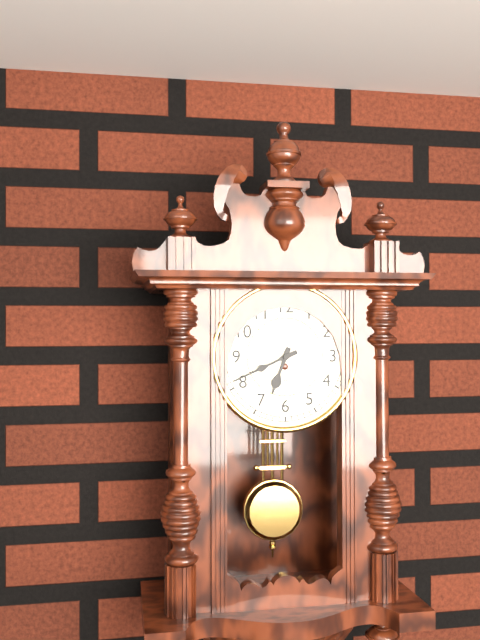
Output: h=6 m=41
